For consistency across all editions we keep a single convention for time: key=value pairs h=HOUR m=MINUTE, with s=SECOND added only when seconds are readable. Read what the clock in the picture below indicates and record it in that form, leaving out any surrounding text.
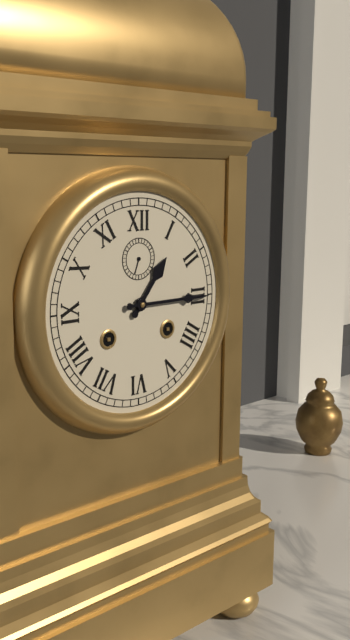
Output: h=1 m=15
